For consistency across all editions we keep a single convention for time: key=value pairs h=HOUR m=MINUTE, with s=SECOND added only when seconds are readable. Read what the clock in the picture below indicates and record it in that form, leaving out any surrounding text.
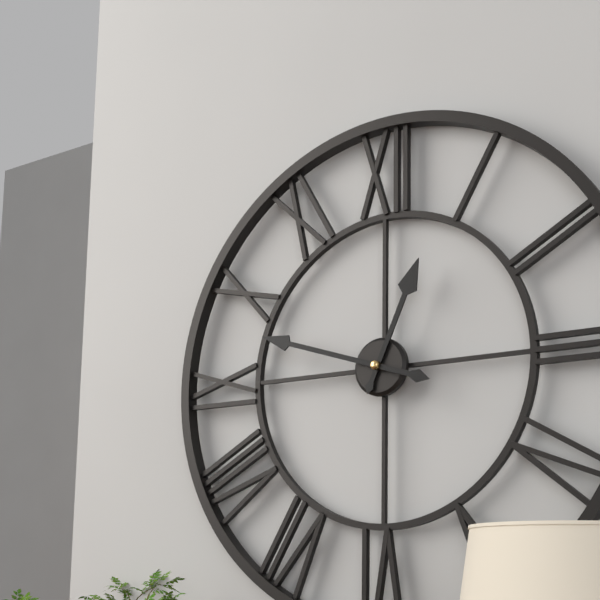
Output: h=12 m=48
